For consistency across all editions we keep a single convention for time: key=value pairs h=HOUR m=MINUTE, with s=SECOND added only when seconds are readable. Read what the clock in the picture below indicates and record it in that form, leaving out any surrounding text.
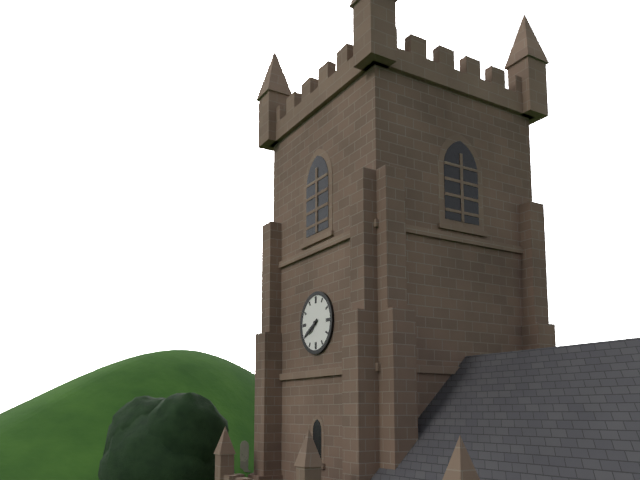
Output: h=7 m=40
